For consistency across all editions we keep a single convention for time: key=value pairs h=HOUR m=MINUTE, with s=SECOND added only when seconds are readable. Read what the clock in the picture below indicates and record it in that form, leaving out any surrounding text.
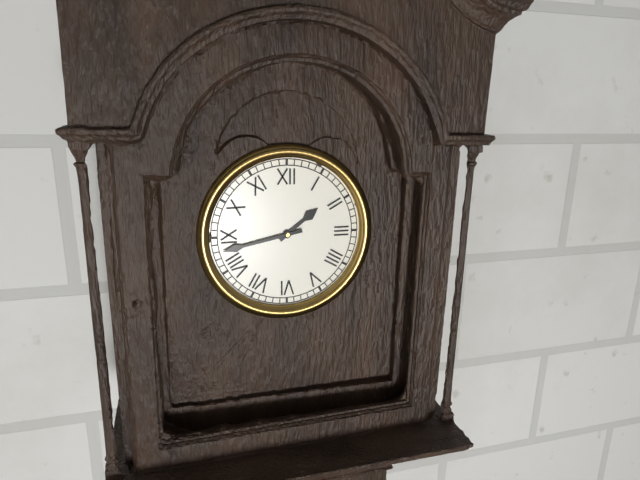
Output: h=1 m=43
